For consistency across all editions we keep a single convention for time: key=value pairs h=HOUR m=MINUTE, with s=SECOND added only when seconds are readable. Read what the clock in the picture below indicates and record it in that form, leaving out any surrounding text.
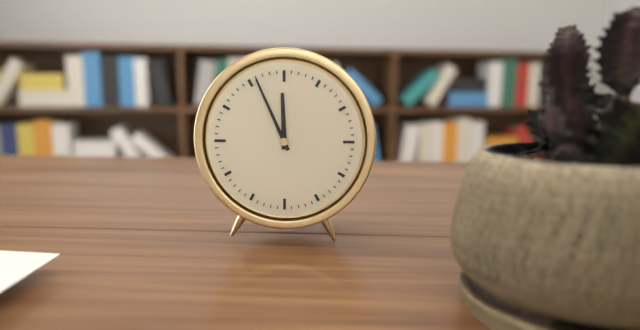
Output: h=11 m=56
